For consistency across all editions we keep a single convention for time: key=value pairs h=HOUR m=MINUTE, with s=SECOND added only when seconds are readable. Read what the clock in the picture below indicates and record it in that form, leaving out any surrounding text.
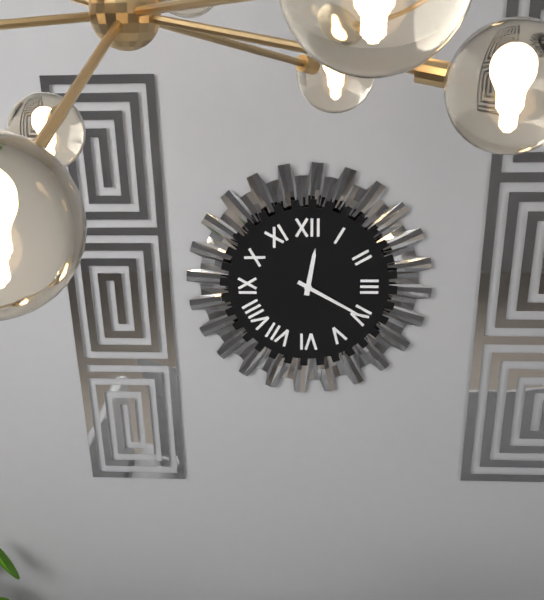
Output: h=12 m=20
